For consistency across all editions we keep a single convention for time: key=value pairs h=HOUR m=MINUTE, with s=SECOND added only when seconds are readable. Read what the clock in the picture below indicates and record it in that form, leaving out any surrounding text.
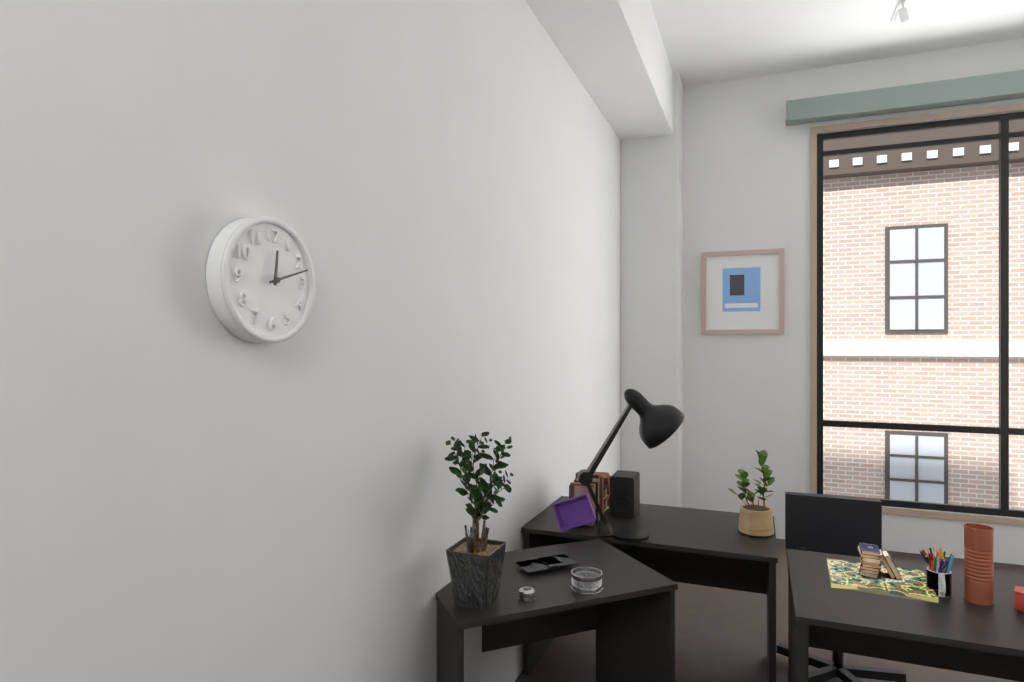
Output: h=12 m=12
